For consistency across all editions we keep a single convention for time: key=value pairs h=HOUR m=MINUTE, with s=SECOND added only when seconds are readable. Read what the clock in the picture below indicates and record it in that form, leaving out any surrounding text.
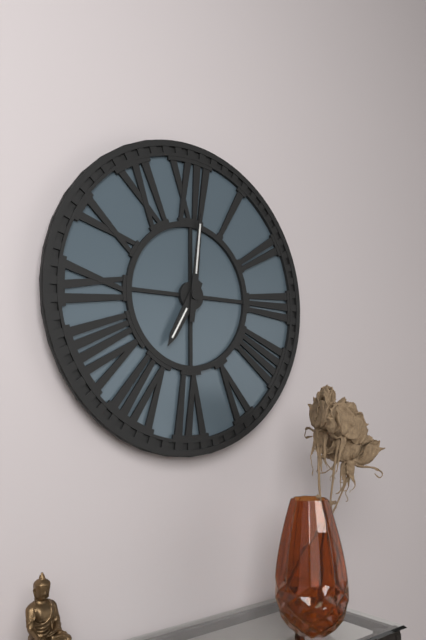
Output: h=7 m=1
